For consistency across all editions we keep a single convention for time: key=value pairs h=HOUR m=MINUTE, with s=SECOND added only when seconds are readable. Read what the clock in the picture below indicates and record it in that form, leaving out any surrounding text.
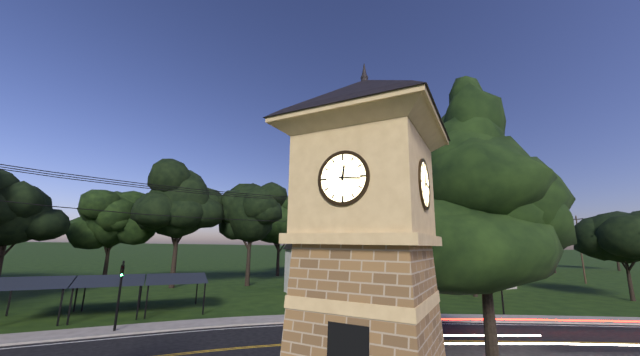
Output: h=12 m=16
